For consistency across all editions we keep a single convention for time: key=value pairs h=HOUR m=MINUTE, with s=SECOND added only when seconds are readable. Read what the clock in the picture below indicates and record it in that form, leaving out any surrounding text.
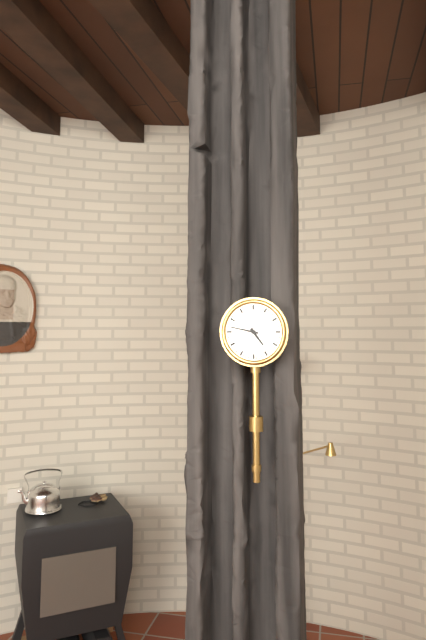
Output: h=4 m=47
